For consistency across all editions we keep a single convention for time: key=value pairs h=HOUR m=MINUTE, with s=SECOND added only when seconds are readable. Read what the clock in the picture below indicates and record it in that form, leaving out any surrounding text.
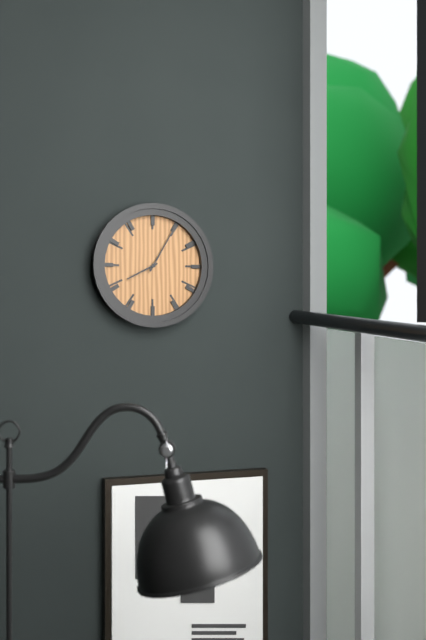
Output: h=8 m=5
